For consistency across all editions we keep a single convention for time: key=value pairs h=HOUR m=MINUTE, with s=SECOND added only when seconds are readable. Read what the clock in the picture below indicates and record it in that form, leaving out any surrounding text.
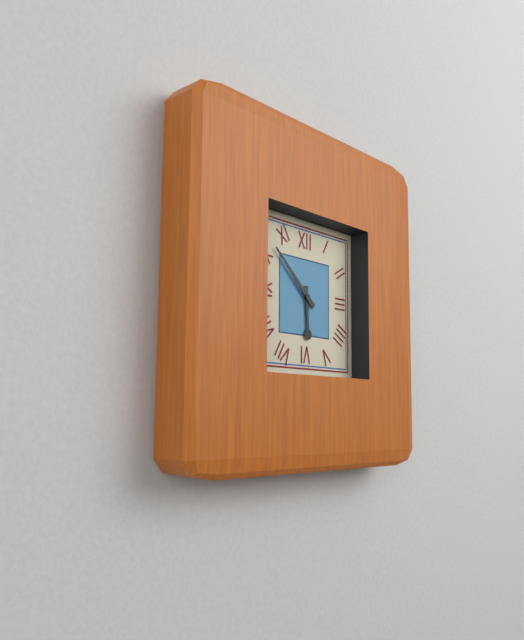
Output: h=5 m=52
